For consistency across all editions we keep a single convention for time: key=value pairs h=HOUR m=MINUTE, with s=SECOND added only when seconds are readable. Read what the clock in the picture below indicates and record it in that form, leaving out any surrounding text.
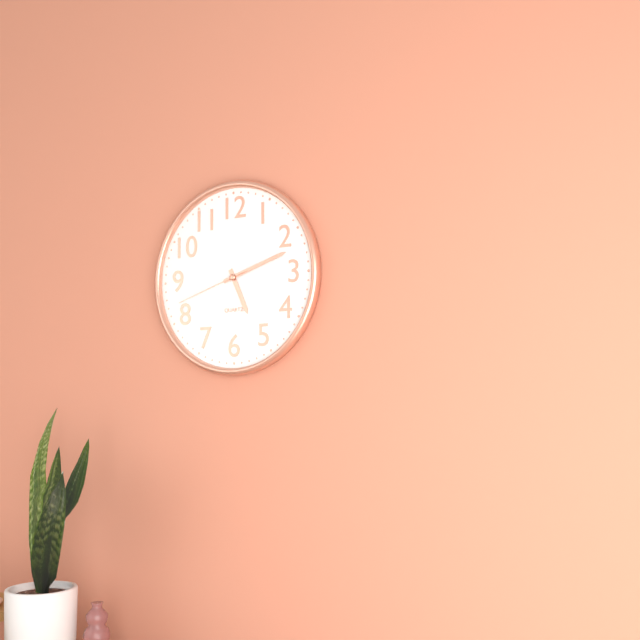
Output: h=5 m=12 s=42
